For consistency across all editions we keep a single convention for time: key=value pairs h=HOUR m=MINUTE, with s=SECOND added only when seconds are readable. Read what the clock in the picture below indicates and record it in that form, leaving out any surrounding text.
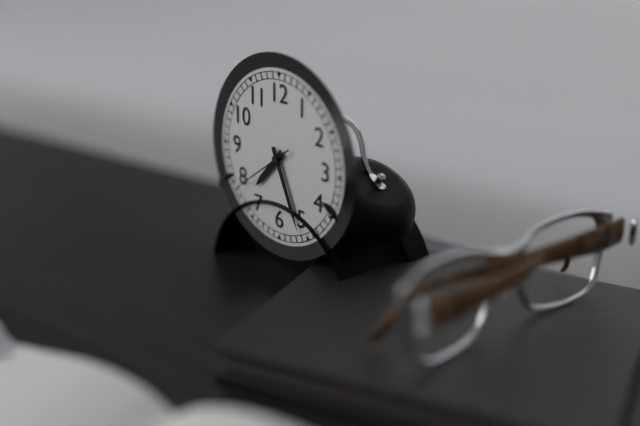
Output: h=7 m=26 s=39
